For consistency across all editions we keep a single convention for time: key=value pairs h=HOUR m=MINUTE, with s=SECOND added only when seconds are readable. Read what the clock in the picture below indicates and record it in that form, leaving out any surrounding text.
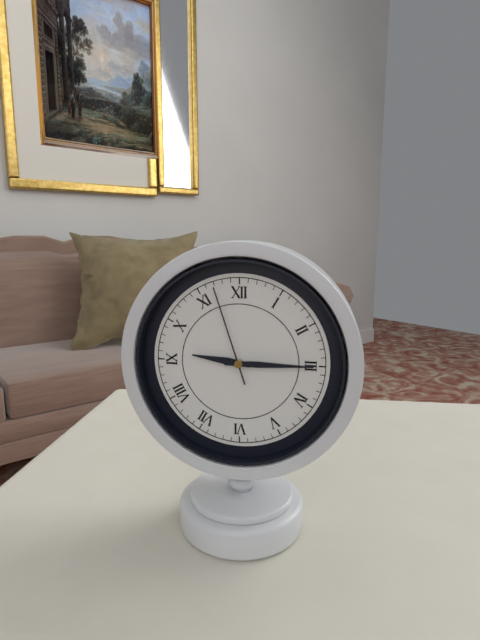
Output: h=9 m=15 s=57
